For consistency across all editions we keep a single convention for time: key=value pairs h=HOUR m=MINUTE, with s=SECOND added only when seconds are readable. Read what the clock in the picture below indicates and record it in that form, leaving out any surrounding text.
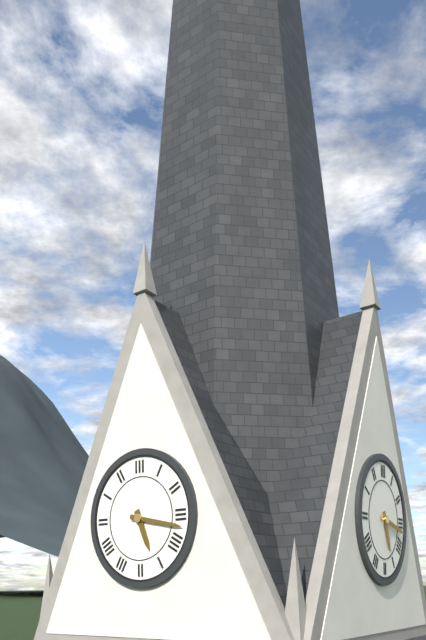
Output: h=5 m=17
